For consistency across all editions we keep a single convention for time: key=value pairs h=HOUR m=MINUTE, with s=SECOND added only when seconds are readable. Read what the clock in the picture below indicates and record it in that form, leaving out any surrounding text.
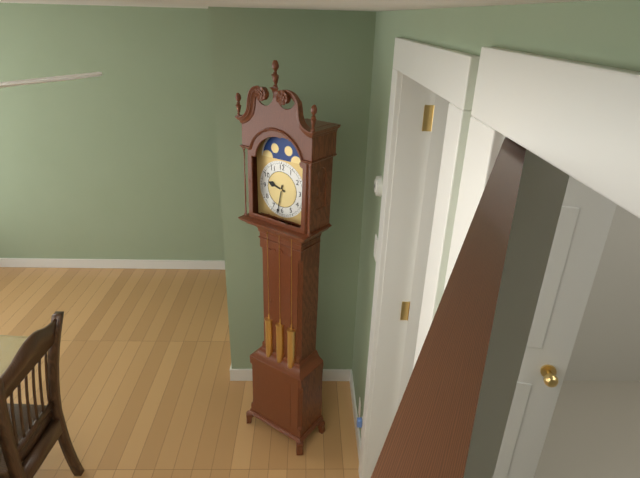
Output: h=9 m=32
